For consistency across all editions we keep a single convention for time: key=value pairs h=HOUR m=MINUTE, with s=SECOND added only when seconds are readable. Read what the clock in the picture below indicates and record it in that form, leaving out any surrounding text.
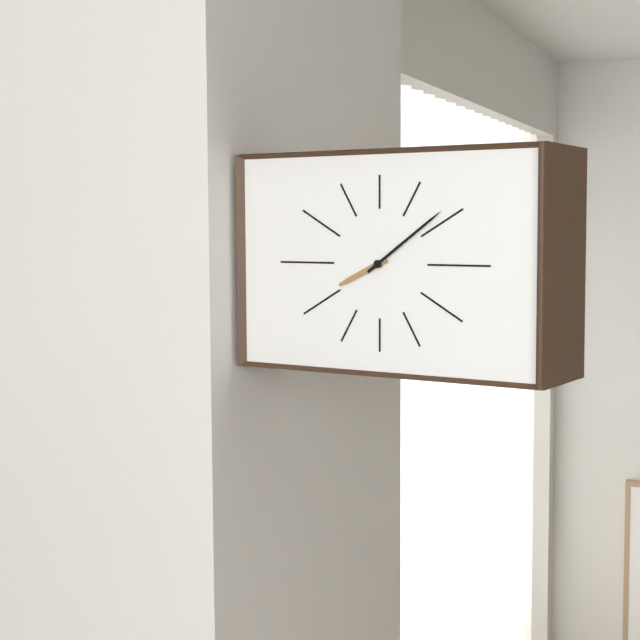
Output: h=8 m=9
